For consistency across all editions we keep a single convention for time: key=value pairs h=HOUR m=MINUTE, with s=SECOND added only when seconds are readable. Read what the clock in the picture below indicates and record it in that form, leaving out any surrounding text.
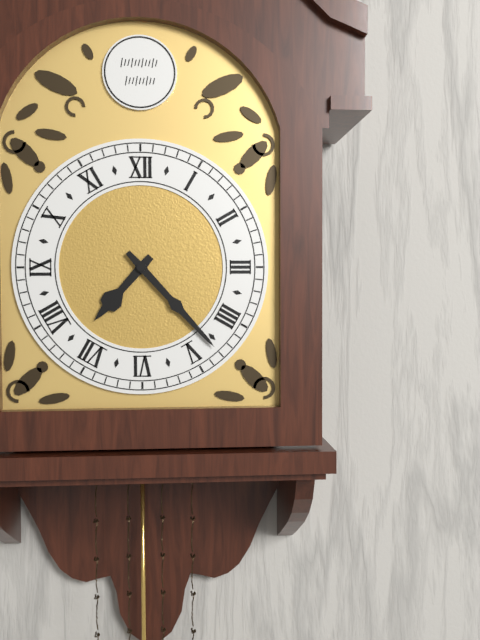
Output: h=7 m=23
